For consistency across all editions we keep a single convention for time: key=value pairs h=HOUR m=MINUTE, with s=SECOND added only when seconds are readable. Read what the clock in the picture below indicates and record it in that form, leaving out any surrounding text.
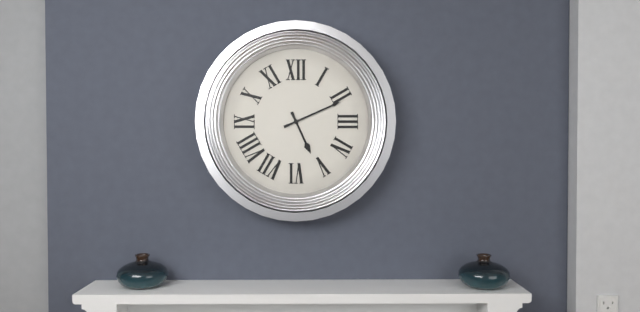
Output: h=5 m=11
